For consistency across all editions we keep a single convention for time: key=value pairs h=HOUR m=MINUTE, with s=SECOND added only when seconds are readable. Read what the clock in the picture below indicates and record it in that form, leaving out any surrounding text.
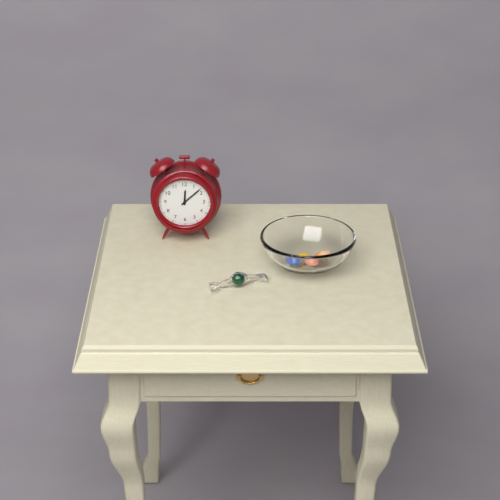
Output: h=12 m=8
